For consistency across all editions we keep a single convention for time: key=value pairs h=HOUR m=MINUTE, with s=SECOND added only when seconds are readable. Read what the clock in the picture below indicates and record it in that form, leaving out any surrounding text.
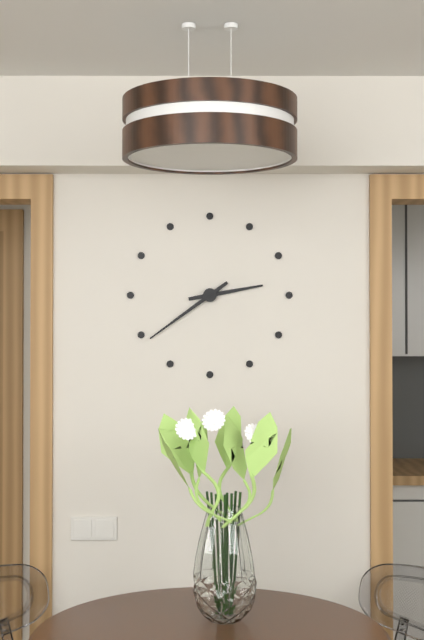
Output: h=2 m=39
